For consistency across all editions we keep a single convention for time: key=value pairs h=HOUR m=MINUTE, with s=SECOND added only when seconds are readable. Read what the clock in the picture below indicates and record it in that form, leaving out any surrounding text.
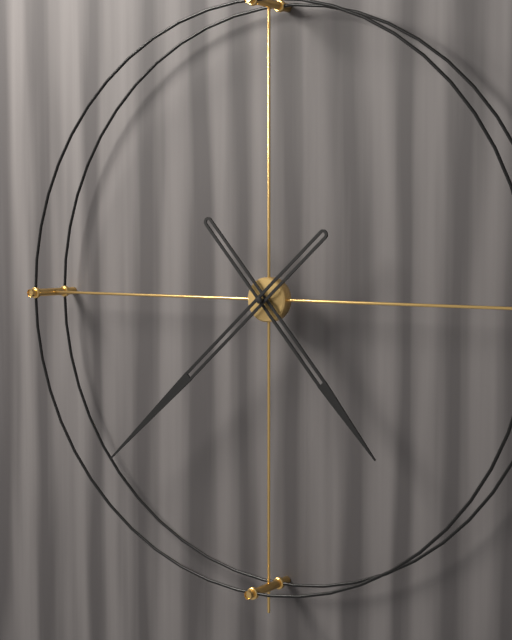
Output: h=4 m=38
